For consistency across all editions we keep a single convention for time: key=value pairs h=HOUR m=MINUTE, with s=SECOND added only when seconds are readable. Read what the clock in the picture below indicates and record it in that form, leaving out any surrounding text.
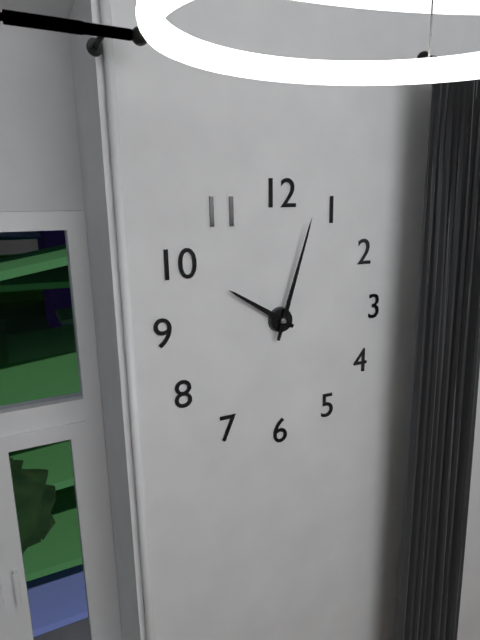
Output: h=10 m=3
